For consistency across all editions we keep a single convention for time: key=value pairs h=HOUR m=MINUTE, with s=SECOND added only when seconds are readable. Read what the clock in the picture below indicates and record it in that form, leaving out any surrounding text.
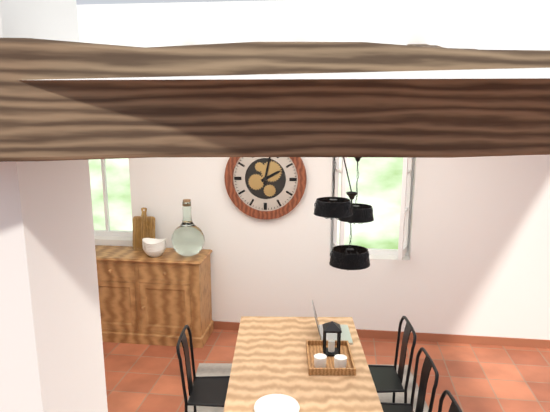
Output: h=2 m=2
